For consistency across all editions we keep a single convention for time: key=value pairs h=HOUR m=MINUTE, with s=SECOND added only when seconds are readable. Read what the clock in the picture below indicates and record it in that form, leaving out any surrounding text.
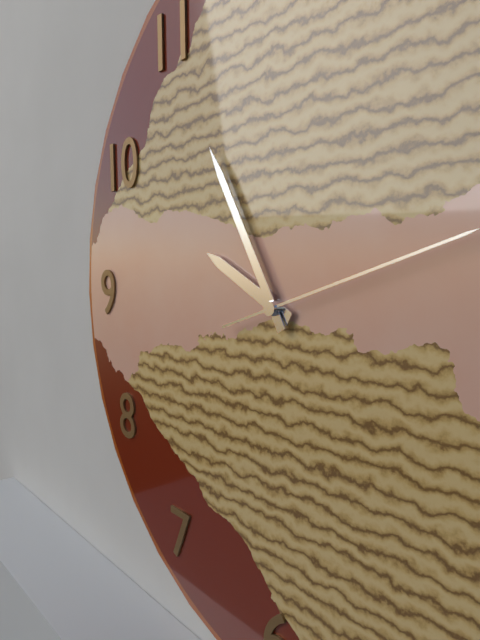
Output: h=9 m=55
